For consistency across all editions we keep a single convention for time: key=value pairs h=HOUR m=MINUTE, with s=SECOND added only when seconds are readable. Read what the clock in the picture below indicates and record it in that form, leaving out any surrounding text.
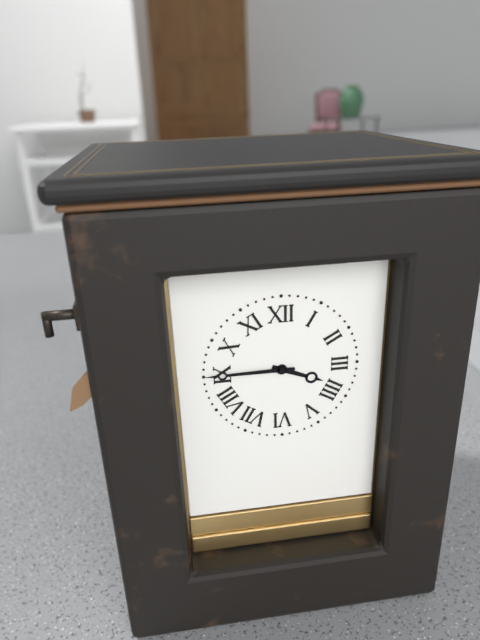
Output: h=3 m=45
